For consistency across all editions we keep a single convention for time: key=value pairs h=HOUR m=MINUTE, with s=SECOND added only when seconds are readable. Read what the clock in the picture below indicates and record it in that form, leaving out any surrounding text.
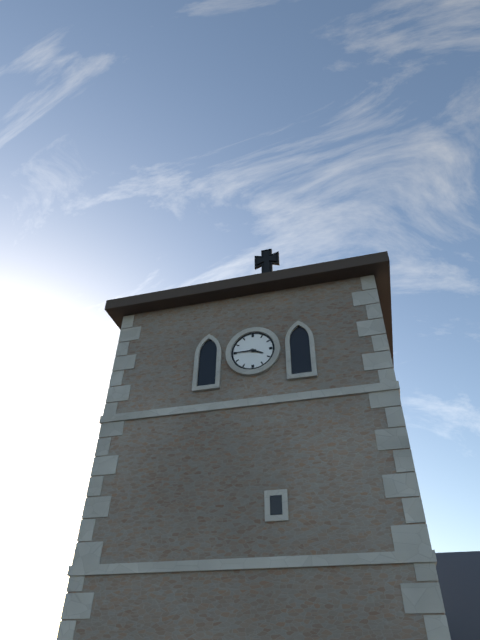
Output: h=3 m=45
